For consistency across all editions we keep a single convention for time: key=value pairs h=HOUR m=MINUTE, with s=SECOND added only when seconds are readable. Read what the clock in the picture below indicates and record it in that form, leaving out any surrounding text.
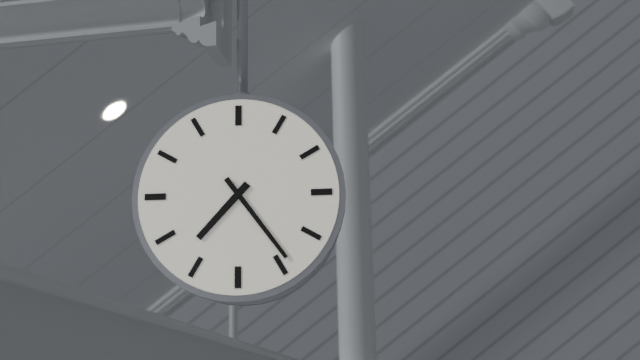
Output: h=7 m=24
